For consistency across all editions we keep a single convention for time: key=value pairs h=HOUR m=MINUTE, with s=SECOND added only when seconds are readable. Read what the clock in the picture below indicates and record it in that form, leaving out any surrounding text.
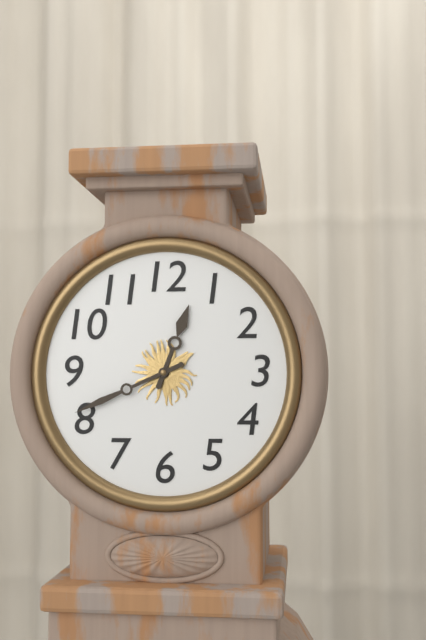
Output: h=12 m=41
